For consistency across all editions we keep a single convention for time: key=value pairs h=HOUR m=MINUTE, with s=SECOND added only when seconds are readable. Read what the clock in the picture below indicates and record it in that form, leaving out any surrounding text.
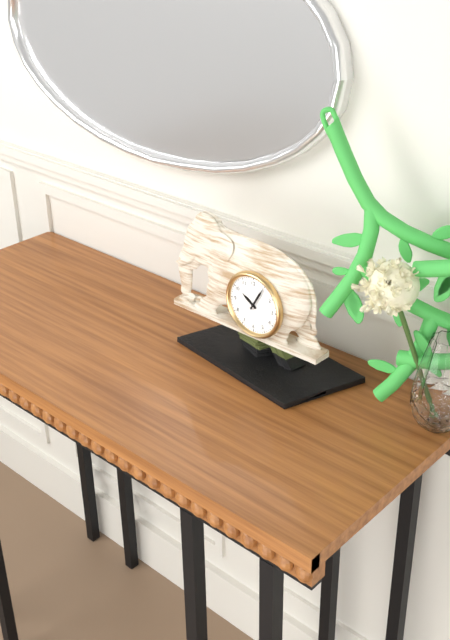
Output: h=10 m=5
